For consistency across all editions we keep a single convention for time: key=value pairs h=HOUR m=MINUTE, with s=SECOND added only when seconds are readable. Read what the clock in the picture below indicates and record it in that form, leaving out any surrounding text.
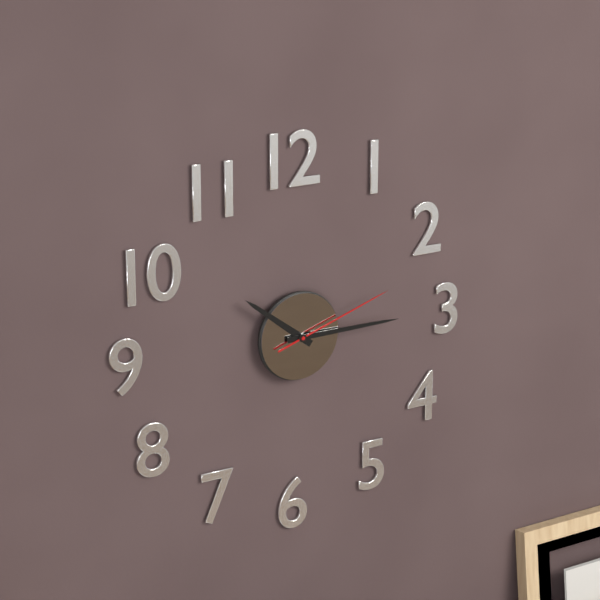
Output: h=10 m=15 s=12
